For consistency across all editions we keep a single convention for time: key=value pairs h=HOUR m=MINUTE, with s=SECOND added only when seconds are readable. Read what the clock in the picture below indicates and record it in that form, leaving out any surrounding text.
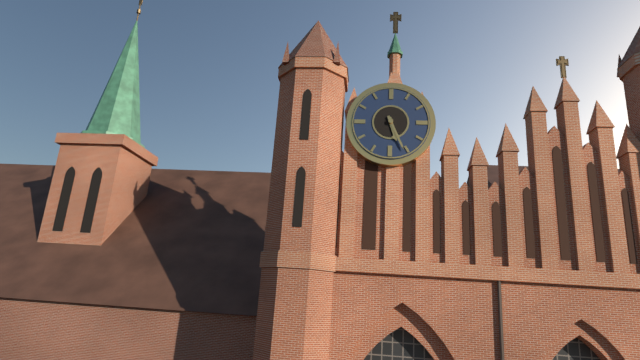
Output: h=5 m=26
